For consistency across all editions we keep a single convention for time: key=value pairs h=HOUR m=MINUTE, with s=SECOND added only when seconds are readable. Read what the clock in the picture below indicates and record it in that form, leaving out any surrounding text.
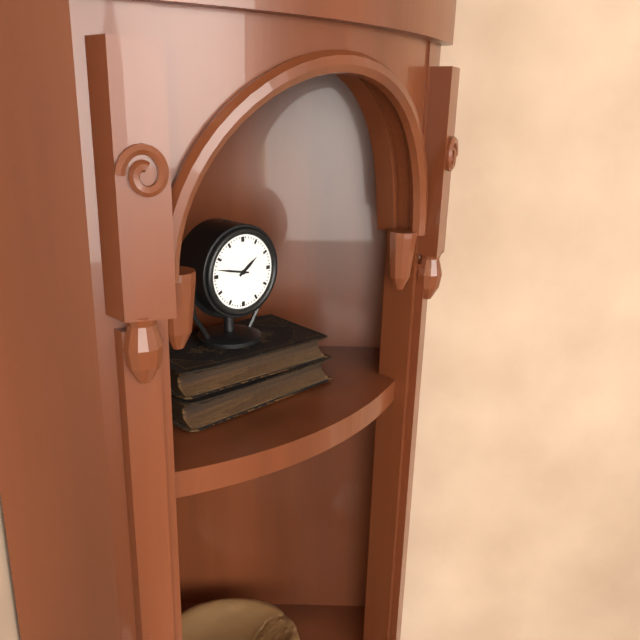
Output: h=1 m=47
